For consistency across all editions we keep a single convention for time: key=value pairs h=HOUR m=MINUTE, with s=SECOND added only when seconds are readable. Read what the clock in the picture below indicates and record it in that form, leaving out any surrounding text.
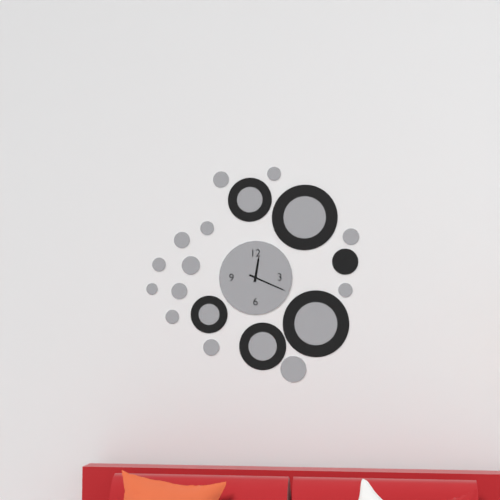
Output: h=12 m=19
